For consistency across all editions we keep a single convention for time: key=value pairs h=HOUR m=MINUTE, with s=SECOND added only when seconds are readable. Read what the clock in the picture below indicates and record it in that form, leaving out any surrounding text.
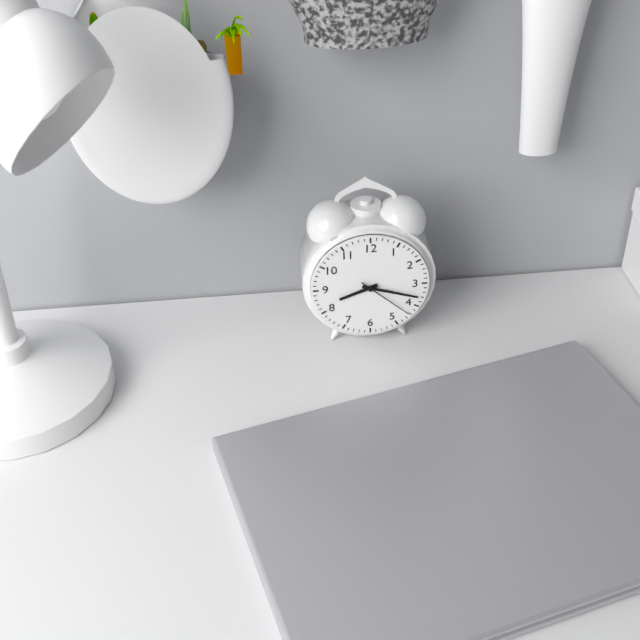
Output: h=8 m=18 s=22
